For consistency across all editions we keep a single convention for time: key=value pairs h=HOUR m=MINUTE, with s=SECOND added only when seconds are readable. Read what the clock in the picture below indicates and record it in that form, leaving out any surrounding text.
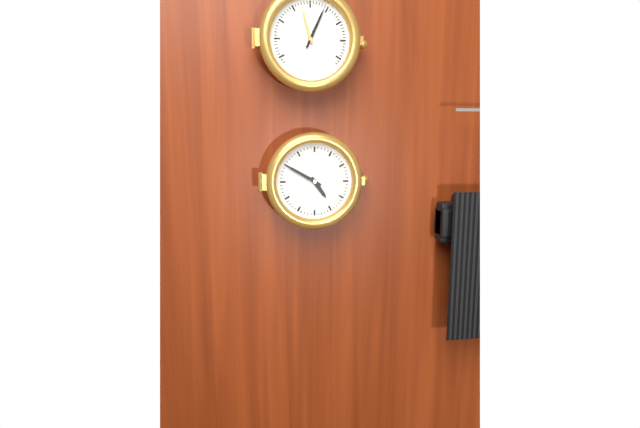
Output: h=4 m=50
